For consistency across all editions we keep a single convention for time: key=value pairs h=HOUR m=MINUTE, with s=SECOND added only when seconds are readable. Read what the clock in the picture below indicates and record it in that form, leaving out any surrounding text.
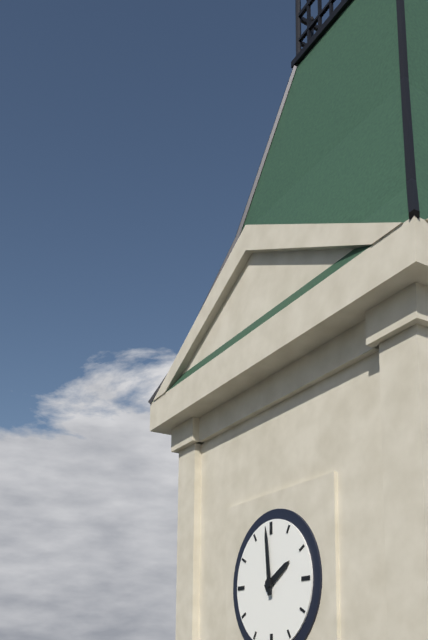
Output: h=1 m=59
